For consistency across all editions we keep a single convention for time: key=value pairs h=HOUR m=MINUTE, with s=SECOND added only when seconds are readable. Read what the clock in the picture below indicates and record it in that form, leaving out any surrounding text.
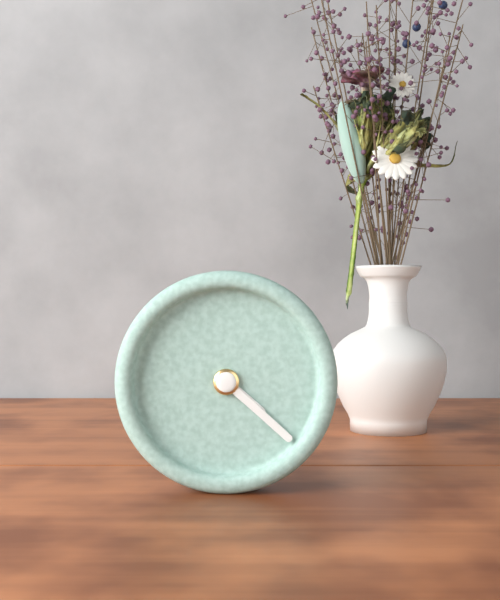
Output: h=4 m=22
